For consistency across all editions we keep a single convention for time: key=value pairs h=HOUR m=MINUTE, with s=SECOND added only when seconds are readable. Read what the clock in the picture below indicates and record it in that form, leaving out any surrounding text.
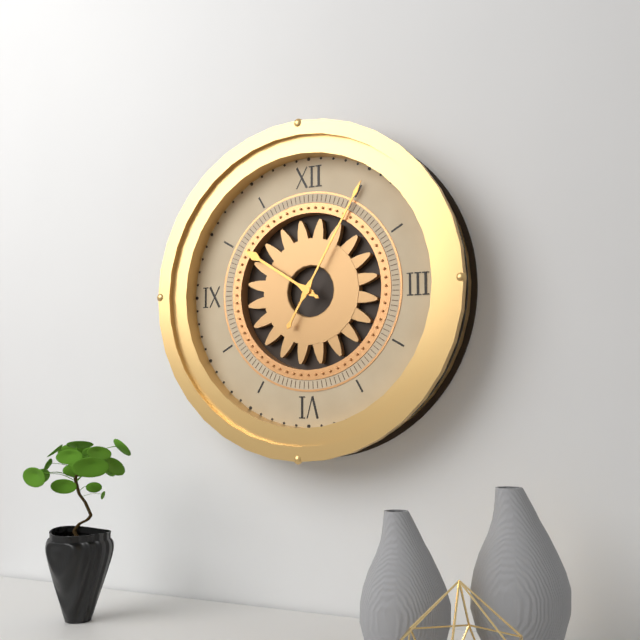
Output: h=10 m=5
